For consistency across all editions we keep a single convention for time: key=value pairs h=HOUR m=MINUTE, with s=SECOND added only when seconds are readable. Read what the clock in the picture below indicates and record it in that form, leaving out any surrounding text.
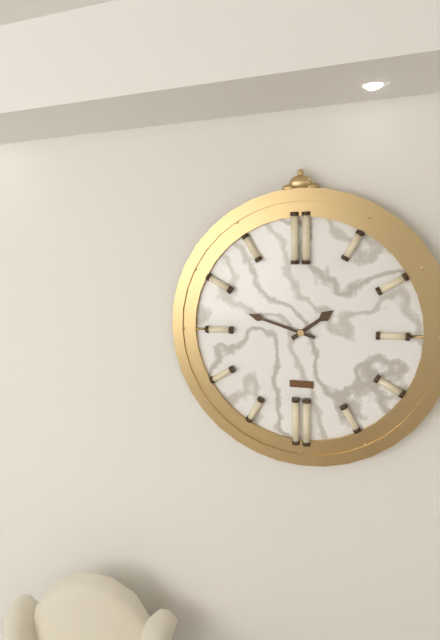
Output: h=1 m=48
